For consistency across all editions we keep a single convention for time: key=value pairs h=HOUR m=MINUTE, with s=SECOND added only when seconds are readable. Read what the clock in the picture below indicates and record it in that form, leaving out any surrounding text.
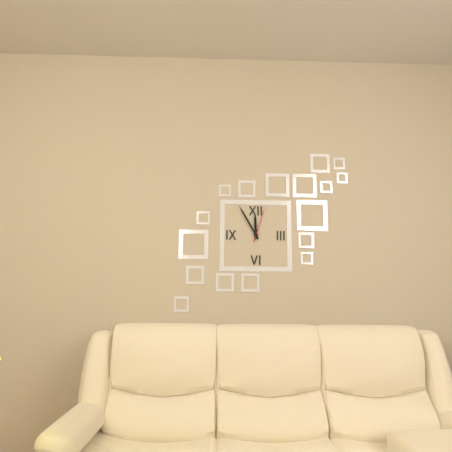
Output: h=11 m=55
